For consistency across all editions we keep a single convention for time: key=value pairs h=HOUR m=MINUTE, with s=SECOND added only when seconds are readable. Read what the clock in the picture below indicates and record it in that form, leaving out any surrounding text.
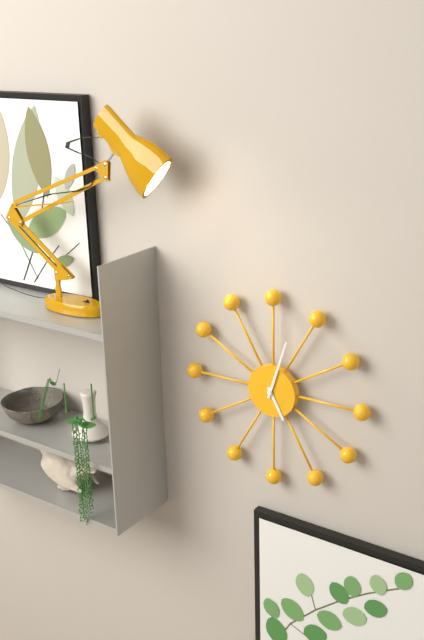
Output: h=5 m=3
